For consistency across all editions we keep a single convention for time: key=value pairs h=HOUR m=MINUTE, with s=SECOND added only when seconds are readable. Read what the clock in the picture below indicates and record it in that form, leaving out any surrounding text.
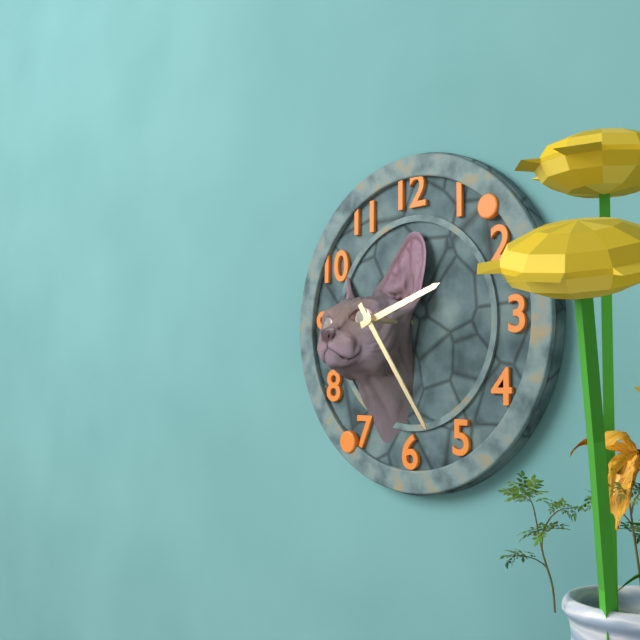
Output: h=2 m=24
